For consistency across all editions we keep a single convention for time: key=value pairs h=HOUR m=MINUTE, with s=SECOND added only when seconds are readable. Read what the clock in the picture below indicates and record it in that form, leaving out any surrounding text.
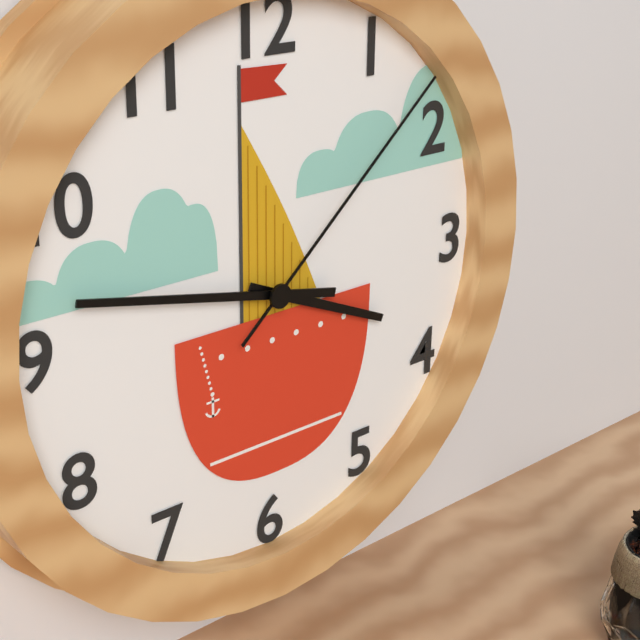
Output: h=3 m=47 s=8
